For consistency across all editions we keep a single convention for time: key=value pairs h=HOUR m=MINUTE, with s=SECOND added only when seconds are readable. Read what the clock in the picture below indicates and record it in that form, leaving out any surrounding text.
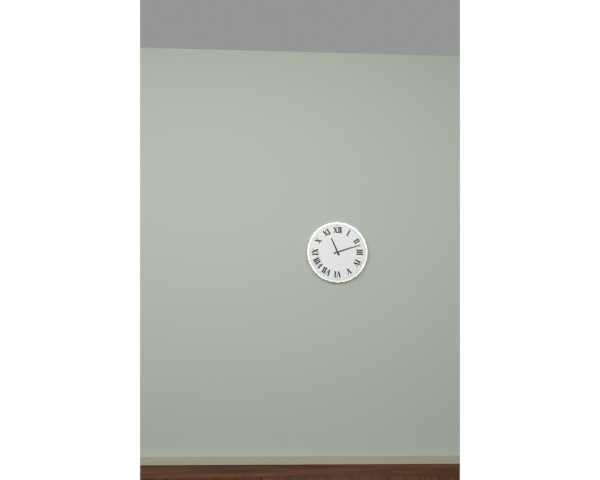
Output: h=11 m=12
